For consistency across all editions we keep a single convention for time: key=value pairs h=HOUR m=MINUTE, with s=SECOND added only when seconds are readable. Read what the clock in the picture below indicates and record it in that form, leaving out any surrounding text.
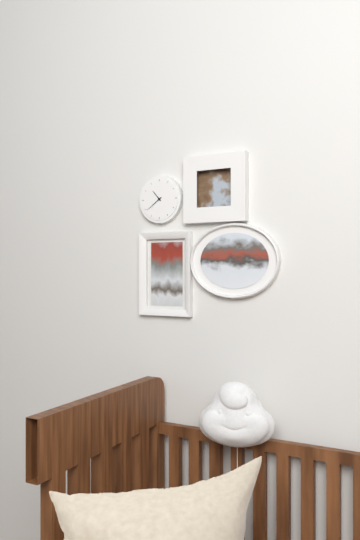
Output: h=10 m=39
